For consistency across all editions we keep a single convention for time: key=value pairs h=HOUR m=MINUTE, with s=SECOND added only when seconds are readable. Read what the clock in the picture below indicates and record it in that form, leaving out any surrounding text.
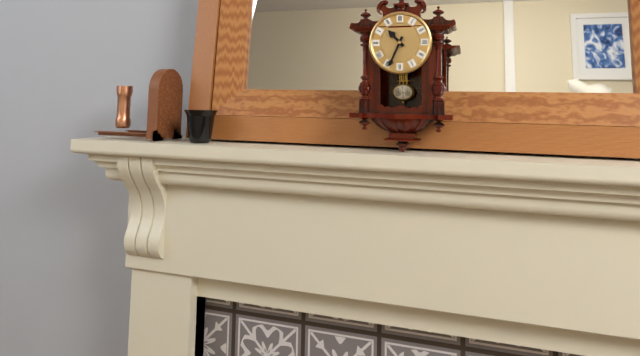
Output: h=10 m=34
